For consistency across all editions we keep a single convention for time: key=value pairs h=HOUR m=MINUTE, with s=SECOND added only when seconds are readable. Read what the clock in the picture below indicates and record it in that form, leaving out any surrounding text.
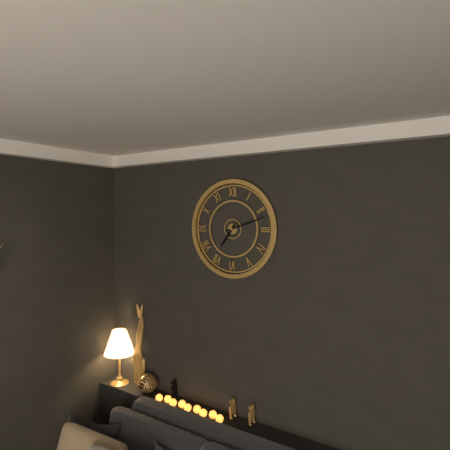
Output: h=7 m=12
